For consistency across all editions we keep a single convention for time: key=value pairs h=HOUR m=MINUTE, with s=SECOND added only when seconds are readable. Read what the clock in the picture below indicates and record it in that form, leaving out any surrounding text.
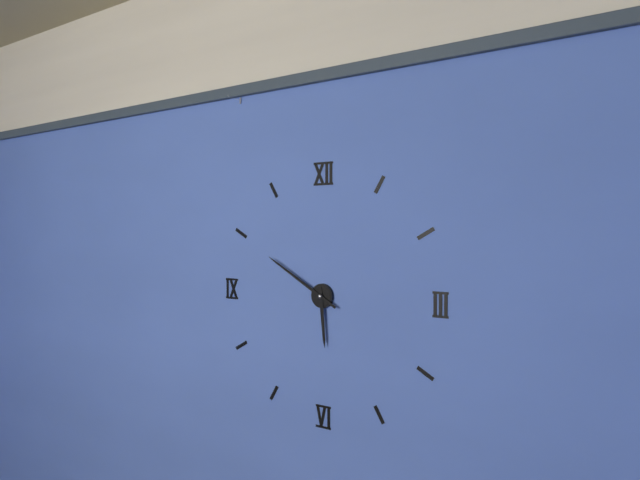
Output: h=5 m=50
